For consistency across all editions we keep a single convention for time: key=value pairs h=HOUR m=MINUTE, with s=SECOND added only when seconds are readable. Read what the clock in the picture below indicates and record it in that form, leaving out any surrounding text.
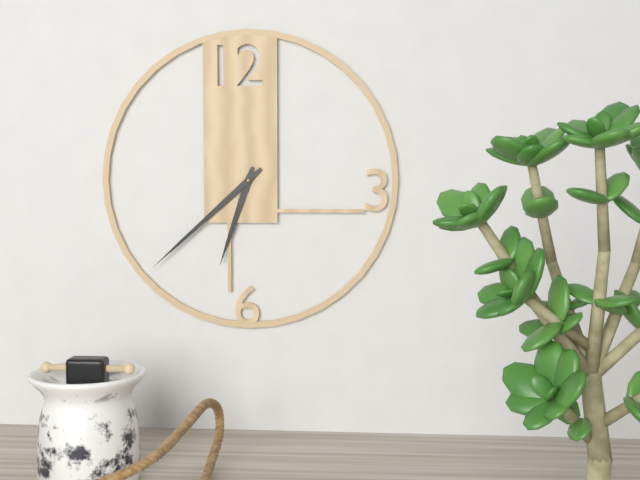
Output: h=6 m=38
